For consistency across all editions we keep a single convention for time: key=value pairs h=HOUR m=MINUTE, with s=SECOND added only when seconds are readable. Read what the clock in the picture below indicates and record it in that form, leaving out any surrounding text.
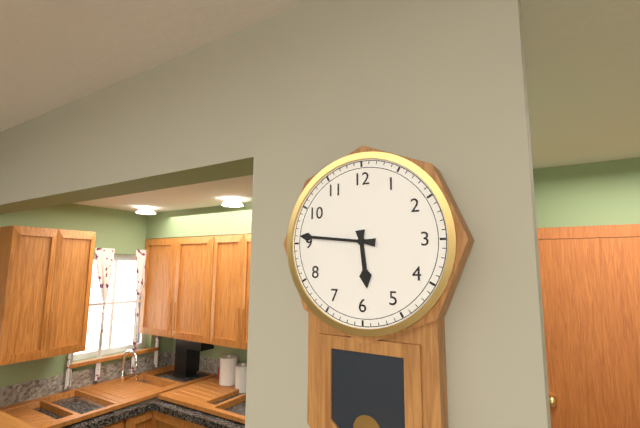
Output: h=5 m=46
